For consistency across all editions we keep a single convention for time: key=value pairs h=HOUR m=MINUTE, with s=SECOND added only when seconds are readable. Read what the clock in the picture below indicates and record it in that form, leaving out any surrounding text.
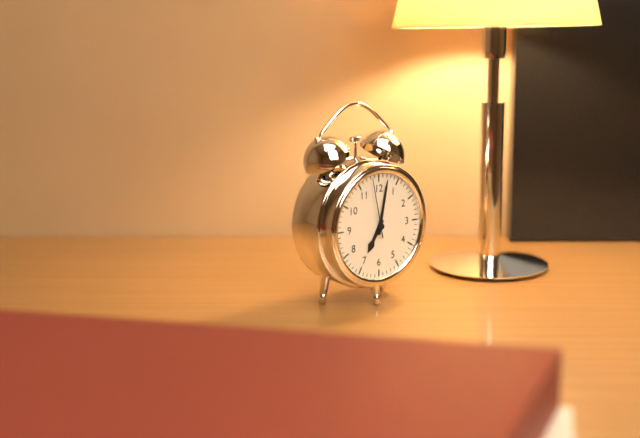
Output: h=7 m=2 s=58
